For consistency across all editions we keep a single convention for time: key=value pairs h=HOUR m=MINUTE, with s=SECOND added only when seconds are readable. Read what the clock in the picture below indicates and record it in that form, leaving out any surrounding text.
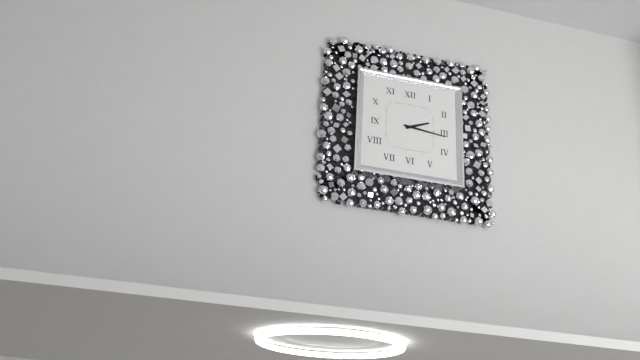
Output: h=2 m=16
